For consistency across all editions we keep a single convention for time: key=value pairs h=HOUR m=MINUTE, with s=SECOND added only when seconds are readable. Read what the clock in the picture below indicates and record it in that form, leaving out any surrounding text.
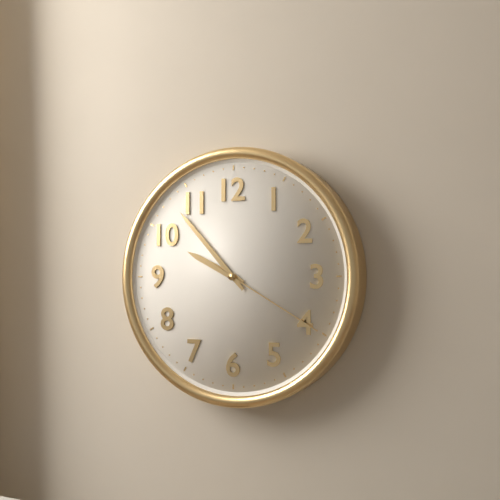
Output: h=9 m=53 s=20
